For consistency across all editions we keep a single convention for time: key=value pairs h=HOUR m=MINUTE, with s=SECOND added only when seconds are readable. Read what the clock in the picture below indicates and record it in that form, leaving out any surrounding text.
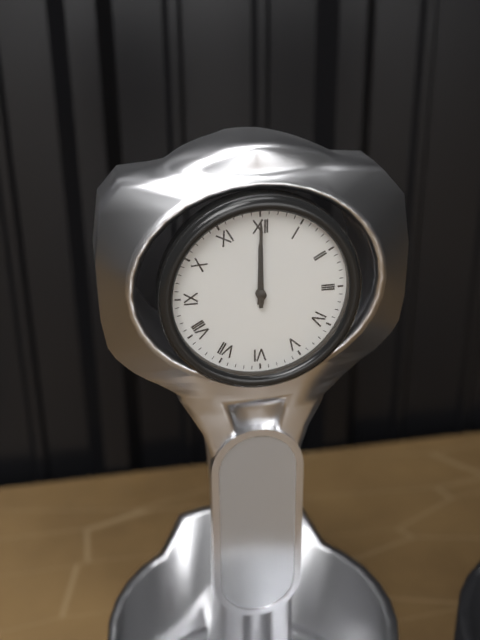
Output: h=12 m=0
